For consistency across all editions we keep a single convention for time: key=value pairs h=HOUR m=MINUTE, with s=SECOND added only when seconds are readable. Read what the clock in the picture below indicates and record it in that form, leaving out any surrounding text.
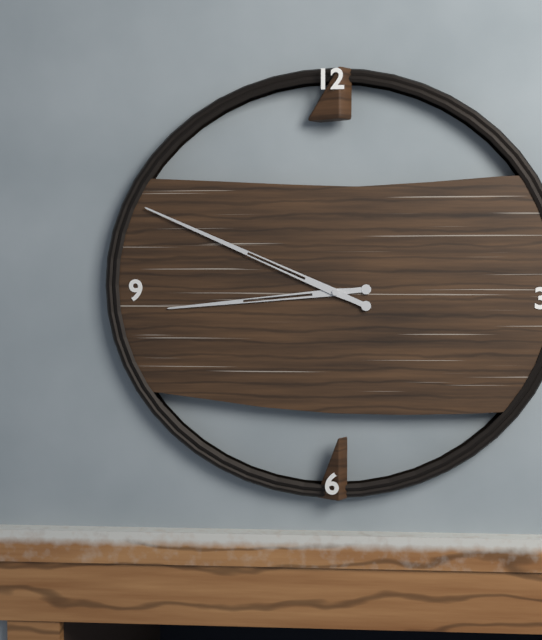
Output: h=8 m=49
